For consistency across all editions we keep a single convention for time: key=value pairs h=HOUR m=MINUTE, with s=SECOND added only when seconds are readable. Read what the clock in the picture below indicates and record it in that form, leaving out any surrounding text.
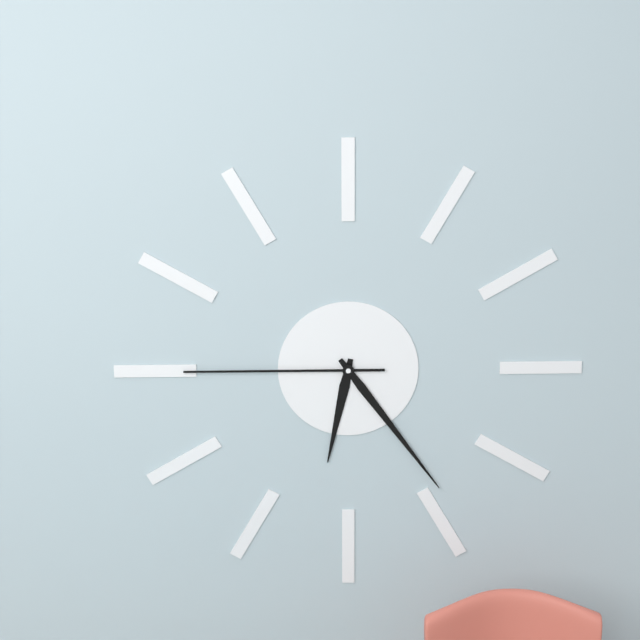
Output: h=6 m=24 s=45
